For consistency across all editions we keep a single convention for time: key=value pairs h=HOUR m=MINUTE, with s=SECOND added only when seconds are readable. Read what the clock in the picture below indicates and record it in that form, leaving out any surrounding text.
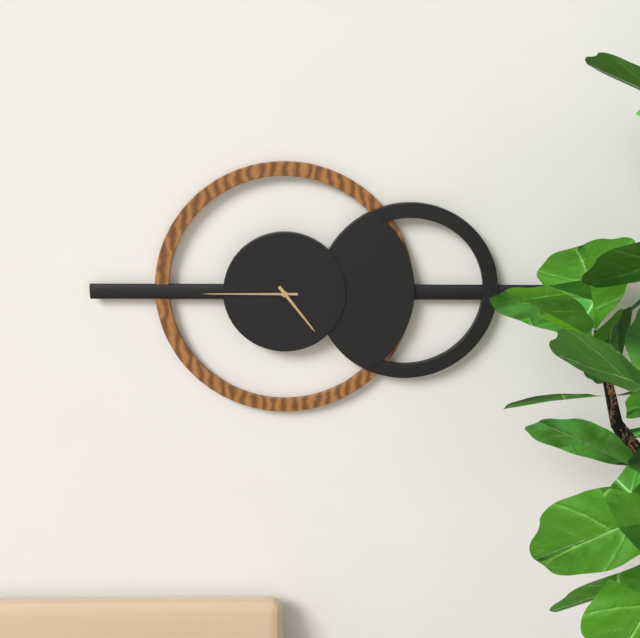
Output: h=4 m=45
